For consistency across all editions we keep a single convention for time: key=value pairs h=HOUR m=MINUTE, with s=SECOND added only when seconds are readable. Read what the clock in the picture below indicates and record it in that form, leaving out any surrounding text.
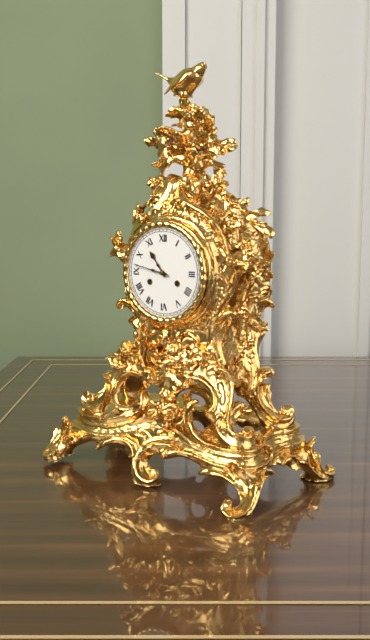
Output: h=10 m=47
